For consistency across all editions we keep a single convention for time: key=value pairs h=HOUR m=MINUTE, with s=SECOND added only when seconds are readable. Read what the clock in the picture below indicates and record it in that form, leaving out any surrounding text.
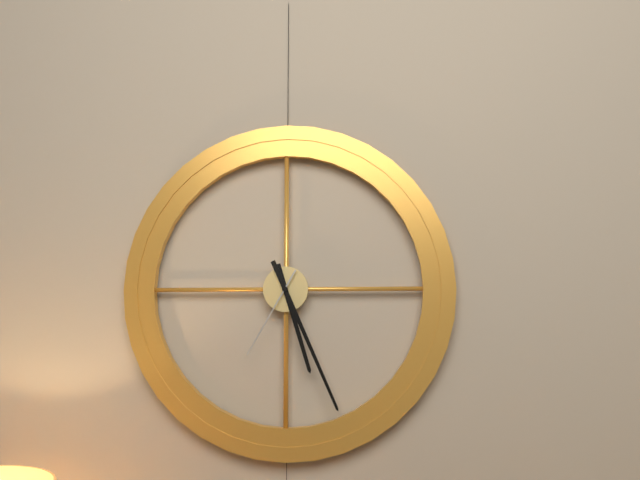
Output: h=5 m=26 s=35
